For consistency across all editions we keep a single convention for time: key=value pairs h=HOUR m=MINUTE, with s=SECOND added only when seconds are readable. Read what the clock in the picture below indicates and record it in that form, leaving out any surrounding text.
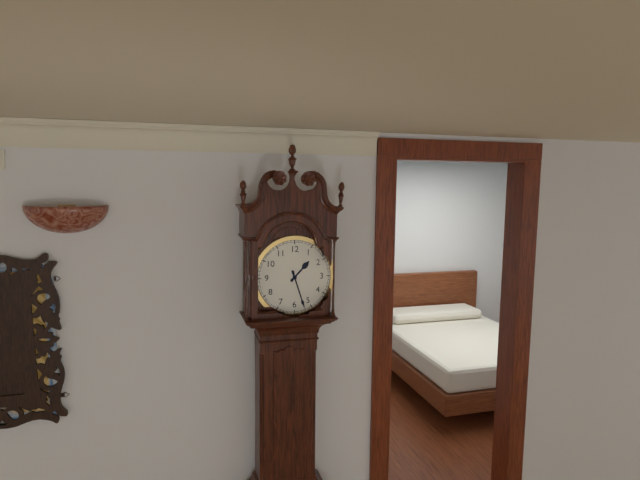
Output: h=1 m=27
